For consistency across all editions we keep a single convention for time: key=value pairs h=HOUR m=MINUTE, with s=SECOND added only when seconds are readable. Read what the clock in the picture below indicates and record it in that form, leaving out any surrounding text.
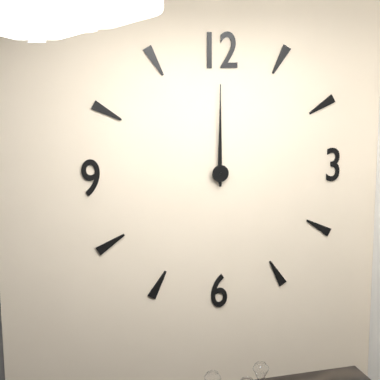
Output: h=12 m=0
